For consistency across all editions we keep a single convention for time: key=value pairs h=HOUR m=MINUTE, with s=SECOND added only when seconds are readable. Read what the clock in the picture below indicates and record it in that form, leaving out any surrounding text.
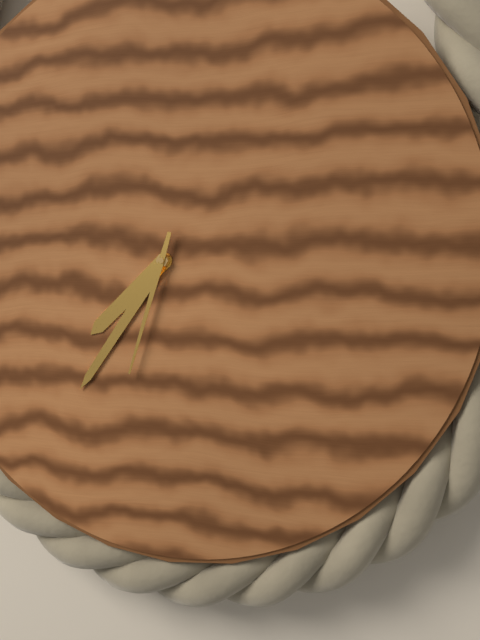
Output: h=7 m=36 s=33
